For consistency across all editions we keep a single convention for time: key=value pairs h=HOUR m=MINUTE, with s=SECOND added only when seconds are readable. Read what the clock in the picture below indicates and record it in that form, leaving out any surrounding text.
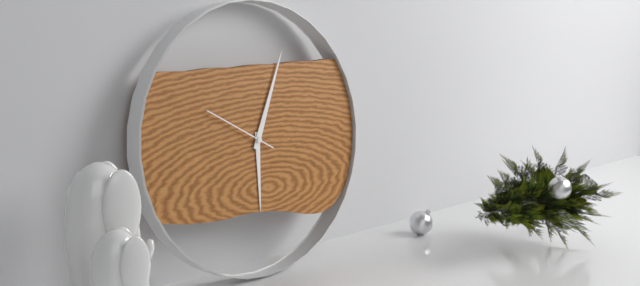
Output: h=6 m=4 s=50
